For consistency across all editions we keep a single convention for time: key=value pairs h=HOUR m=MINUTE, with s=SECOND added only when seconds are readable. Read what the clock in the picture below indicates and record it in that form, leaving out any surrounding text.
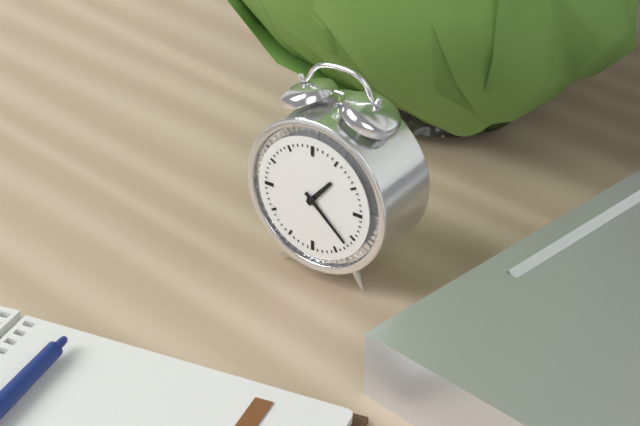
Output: h=1 m=22
